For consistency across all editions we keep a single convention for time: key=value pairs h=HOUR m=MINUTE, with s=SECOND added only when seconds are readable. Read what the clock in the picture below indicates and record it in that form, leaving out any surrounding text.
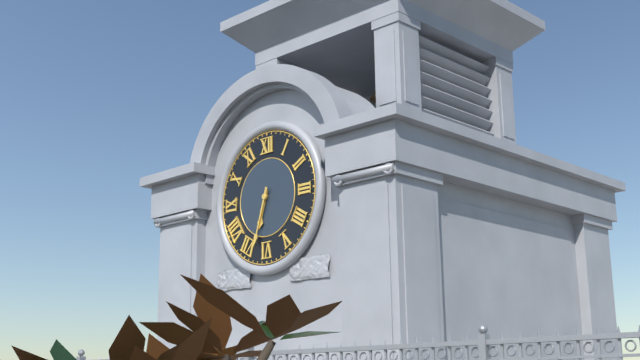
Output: h=6 m=33
